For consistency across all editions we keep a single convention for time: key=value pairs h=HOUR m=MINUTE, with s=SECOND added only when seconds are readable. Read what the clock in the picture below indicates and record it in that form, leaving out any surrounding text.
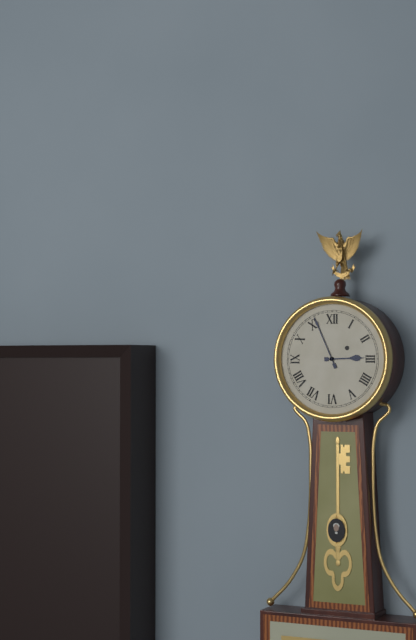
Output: h=2 m=56
